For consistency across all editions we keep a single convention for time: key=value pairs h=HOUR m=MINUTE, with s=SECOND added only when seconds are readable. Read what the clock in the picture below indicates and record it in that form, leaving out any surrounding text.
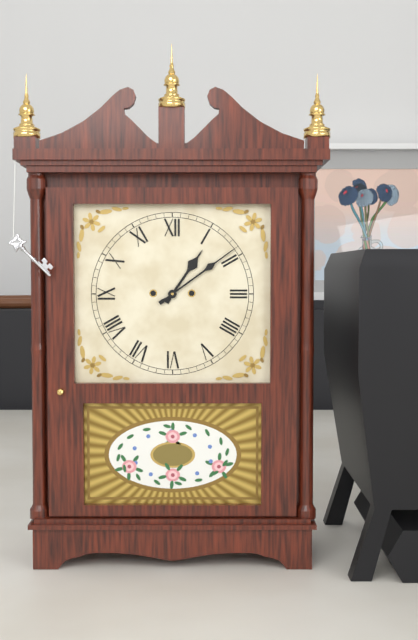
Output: h=1 m=9
